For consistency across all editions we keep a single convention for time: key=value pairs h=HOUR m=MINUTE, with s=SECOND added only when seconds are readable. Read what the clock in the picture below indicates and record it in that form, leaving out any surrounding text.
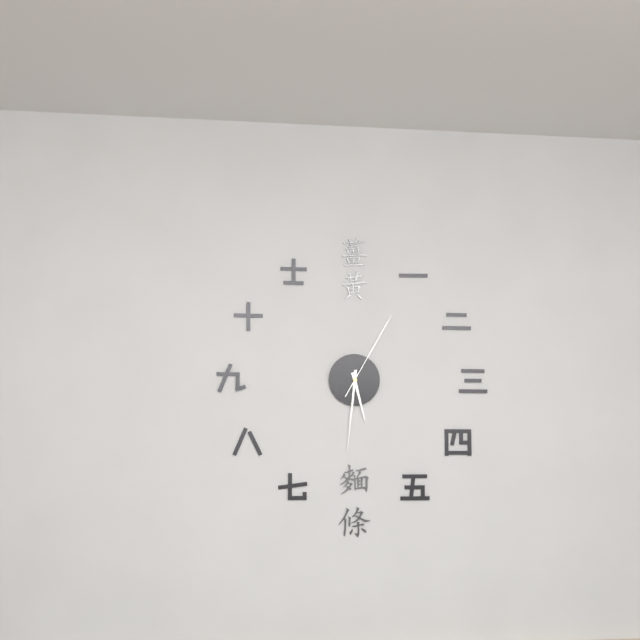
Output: h=5 m=31 s=5
